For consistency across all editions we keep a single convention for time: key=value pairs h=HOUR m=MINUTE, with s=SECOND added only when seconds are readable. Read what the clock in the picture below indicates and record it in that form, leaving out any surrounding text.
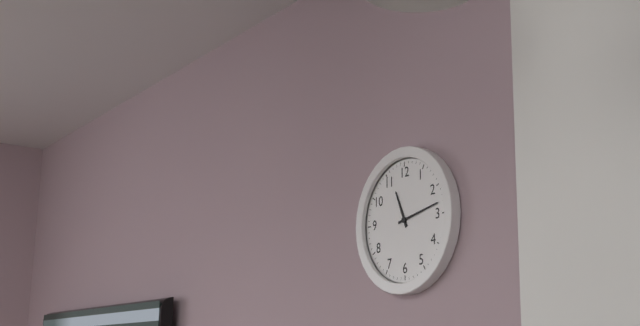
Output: h=11 m=13
